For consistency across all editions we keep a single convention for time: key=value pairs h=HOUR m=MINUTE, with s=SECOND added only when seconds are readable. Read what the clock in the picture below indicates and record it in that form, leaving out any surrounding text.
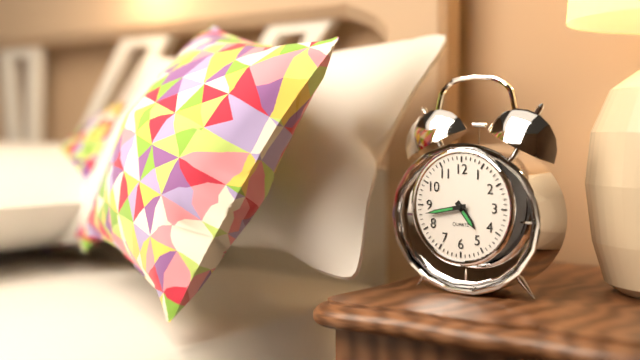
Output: h=4 m=43
